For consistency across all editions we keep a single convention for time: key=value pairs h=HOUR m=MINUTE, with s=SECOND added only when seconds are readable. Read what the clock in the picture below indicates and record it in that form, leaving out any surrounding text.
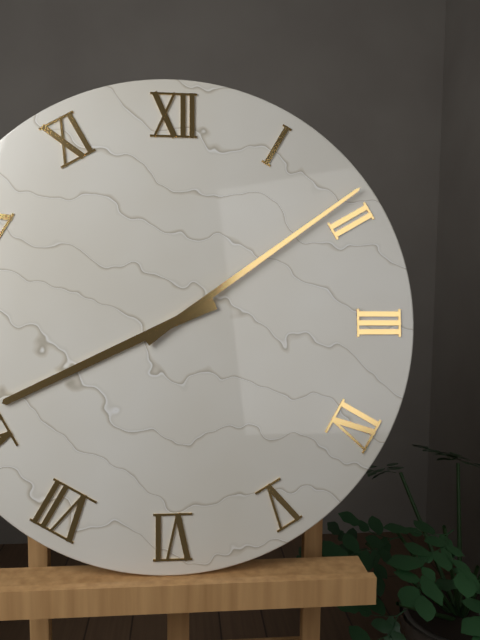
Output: h=8 m=9
